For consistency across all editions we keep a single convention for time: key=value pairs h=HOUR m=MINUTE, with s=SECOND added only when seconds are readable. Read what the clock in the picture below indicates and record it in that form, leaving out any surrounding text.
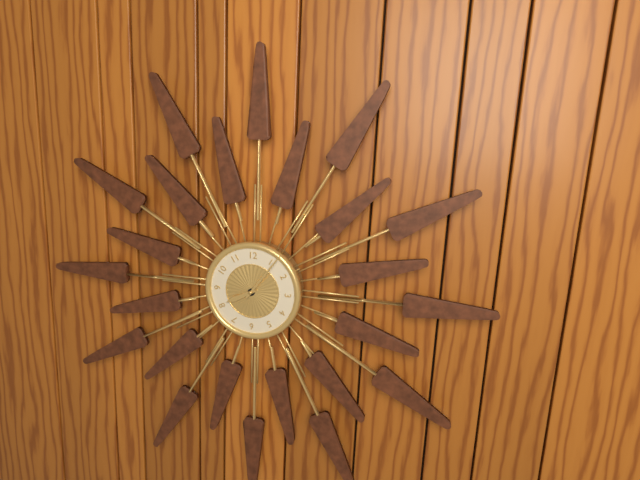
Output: h=8 m=6
